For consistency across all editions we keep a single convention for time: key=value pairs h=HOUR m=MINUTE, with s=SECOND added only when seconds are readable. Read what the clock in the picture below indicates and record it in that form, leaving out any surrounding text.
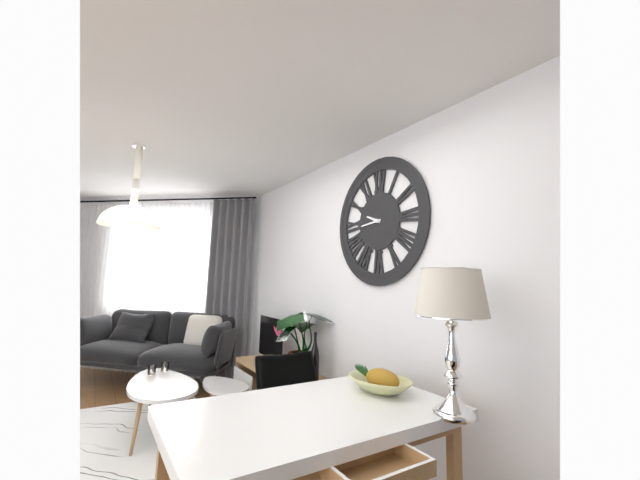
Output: h=9 m=44
